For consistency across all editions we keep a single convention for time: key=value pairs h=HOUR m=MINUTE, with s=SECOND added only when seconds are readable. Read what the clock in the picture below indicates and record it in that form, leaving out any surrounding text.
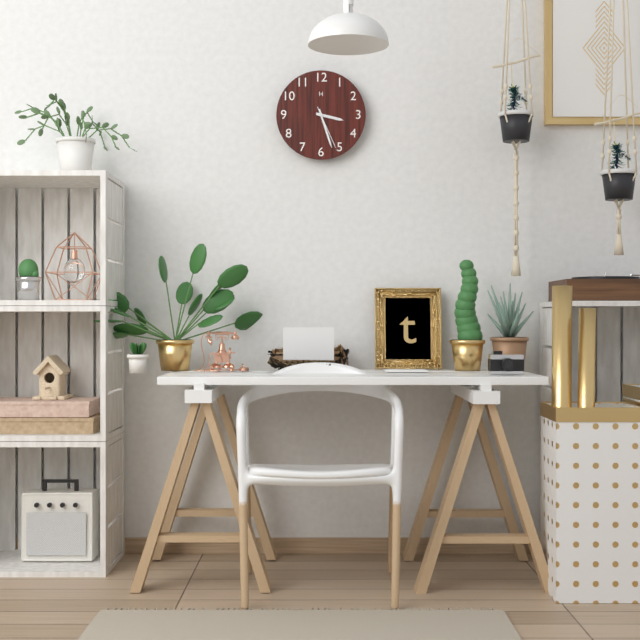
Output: h=3 m=27
